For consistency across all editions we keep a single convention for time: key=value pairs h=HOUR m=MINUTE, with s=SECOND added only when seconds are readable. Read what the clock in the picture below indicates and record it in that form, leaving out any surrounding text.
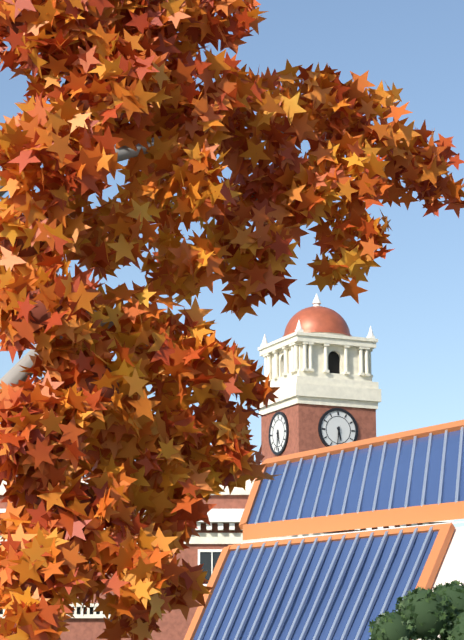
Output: h=5 m=31
